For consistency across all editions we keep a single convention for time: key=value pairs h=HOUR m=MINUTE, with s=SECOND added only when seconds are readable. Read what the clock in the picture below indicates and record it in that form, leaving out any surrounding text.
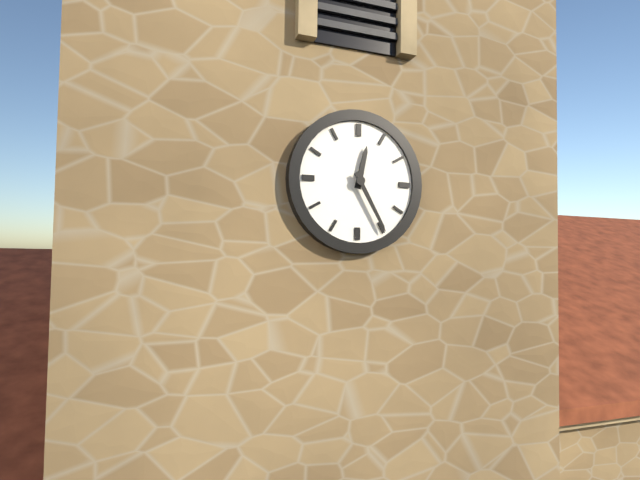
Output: h=12 m=25
